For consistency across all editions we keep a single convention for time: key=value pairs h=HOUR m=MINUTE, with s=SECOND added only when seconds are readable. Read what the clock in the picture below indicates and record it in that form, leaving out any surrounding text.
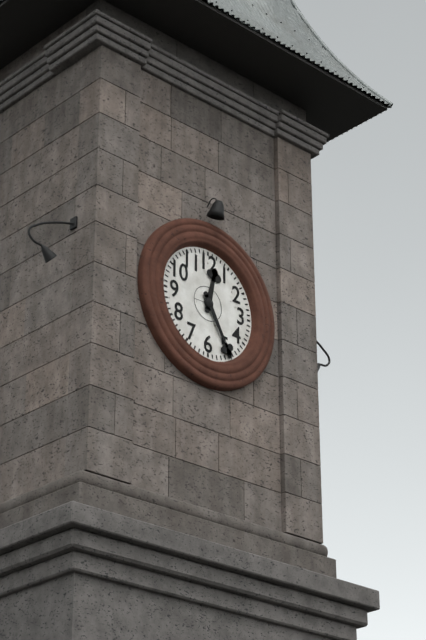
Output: h=12 m=25
